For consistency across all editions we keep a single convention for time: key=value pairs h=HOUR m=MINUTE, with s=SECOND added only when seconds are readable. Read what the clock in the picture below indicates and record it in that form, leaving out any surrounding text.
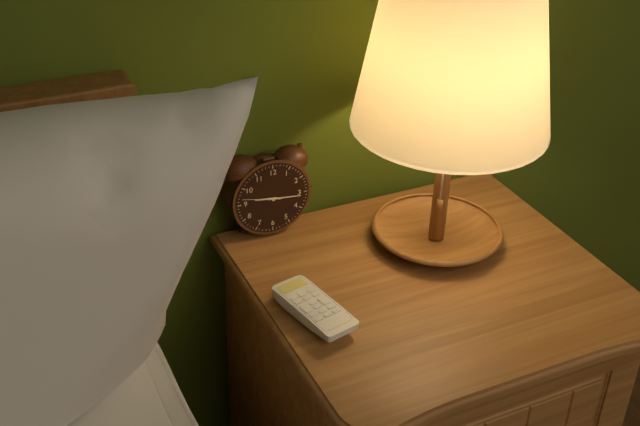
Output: h=9 m=16
